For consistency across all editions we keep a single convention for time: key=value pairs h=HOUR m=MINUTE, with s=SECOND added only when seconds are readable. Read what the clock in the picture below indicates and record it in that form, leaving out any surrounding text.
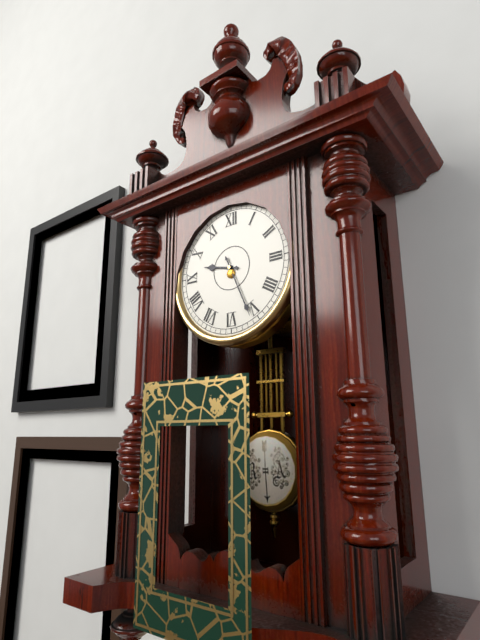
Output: h=9 m=26
